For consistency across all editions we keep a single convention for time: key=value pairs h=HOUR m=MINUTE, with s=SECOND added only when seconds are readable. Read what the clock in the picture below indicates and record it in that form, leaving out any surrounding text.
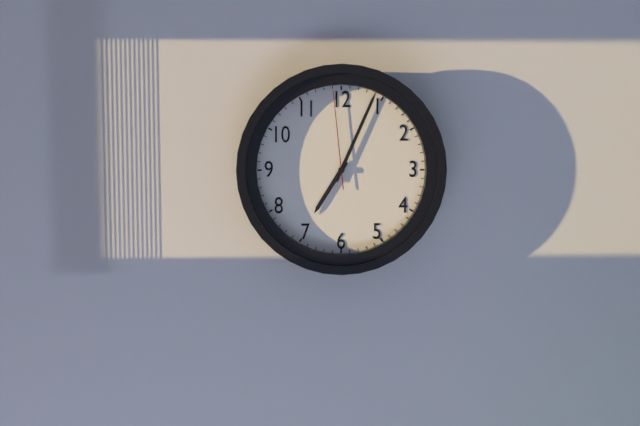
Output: h=7 m=4 s=59
